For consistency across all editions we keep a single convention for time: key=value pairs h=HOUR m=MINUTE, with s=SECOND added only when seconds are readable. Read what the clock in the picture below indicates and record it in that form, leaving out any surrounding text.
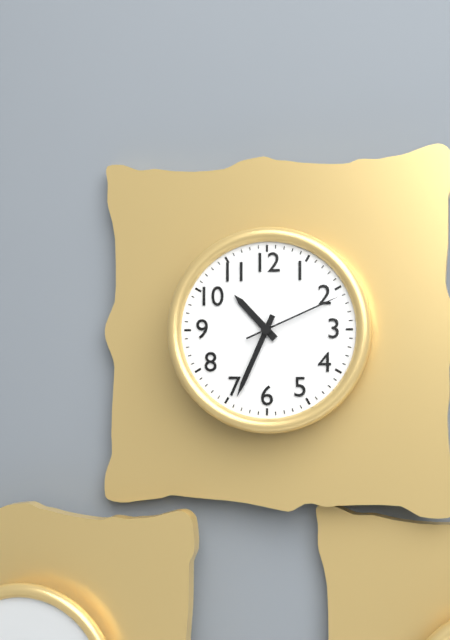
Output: h=10 m=34 s=11
